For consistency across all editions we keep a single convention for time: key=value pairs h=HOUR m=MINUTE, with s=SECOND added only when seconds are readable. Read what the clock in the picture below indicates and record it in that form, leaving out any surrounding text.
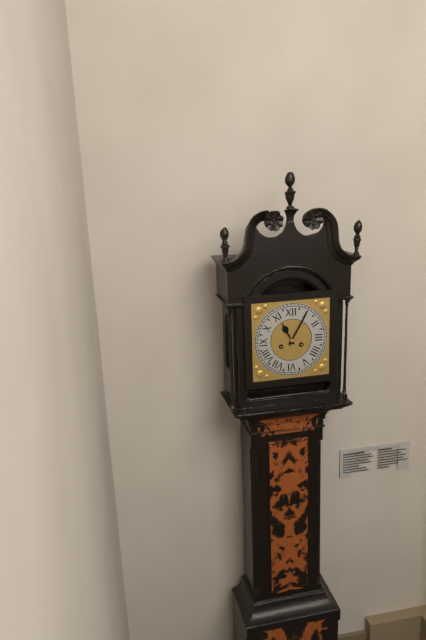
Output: h=11 m=5
